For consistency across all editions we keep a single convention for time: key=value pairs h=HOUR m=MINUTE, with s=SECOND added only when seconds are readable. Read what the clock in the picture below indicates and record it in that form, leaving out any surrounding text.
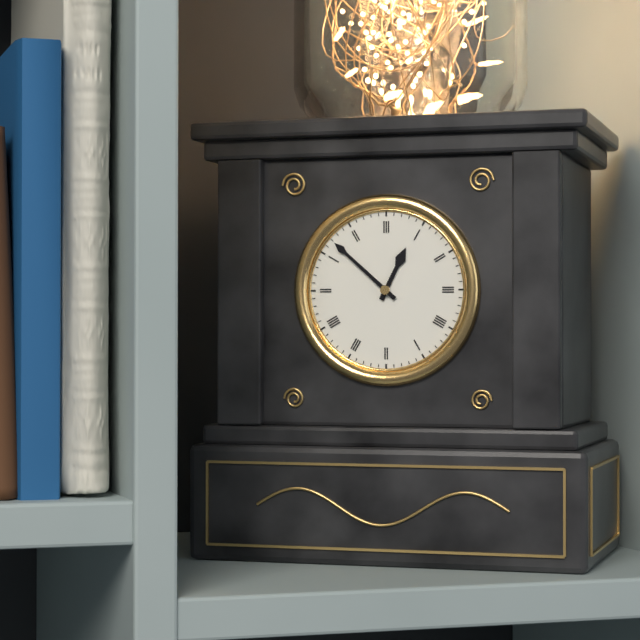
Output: h=12 m=52
